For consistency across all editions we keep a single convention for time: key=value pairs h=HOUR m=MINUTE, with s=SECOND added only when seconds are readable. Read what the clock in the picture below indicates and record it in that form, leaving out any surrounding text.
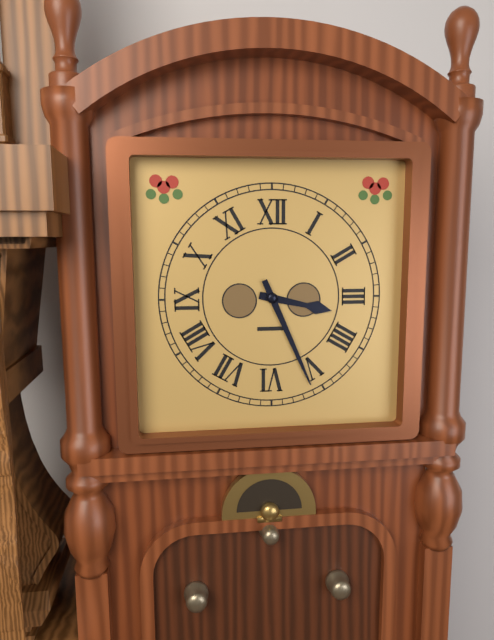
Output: h=3 m=26
